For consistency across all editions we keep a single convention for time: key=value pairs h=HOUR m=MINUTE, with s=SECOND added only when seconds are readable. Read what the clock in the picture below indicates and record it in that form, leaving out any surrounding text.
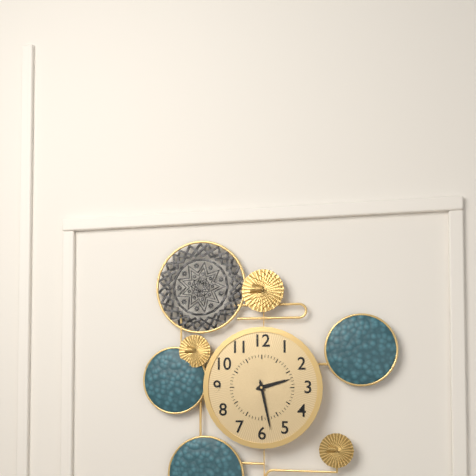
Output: h=2 m=28
